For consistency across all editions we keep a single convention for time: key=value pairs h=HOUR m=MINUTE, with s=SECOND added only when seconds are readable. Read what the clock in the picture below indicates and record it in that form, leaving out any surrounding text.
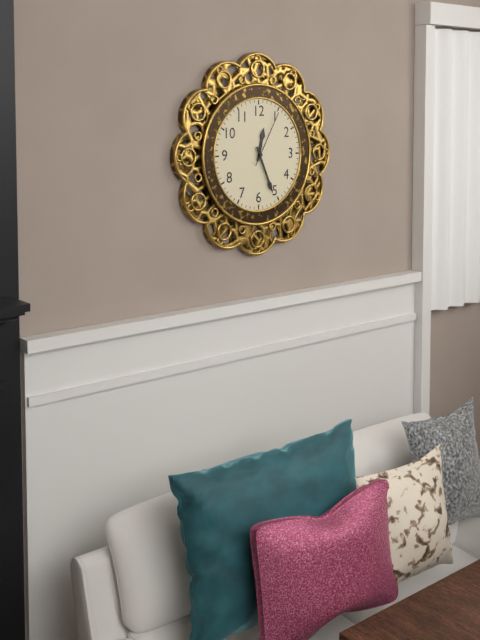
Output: h=12 m=26 s=5
